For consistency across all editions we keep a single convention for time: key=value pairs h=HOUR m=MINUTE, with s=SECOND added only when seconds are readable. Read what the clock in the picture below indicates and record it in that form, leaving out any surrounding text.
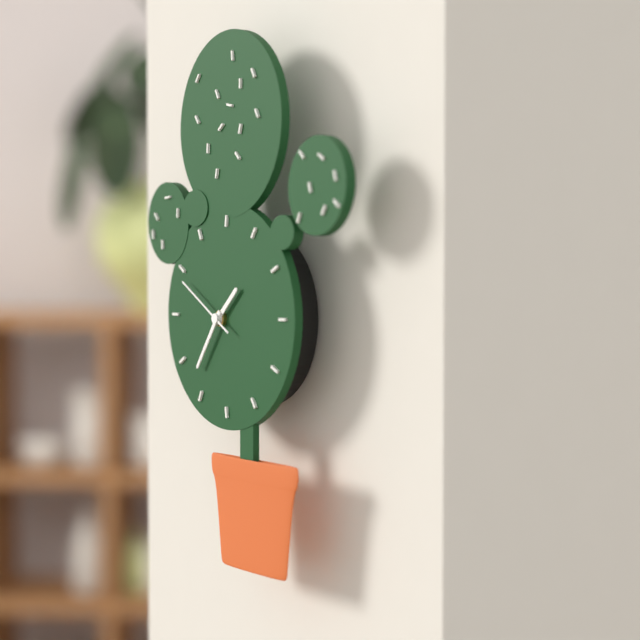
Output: h=1 m=36 s=50
